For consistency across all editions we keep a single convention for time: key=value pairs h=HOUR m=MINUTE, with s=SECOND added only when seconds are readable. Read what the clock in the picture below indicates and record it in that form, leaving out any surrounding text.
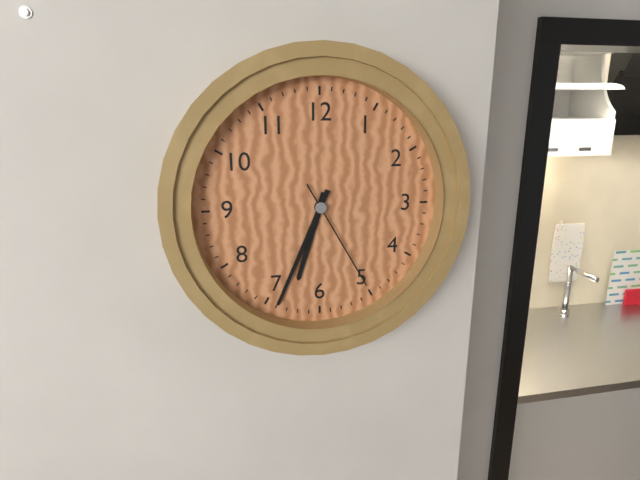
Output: h=6 m=34 s=25
